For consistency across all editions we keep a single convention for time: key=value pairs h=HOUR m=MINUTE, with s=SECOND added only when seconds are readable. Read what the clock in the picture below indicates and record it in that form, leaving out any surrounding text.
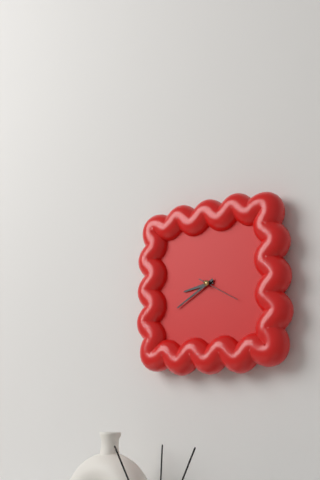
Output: h=8 m=40
